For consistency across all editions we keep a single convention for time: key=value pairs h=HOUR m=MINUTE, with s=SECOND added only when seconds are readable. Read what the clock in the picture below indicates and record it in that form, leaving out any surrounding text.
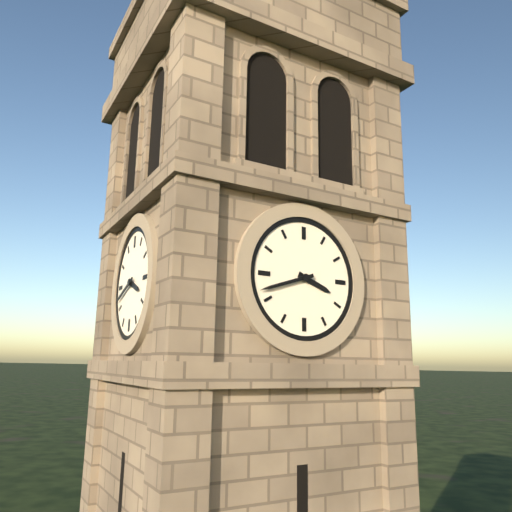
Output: h=3 m=42
